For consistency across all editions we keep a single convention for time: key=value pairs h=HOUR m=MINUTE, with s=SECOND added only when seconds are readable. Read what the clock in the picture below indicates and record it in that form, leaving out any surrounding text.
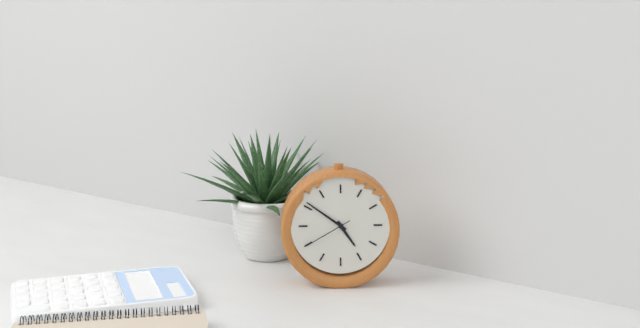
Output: h=4 m=51 s=40
